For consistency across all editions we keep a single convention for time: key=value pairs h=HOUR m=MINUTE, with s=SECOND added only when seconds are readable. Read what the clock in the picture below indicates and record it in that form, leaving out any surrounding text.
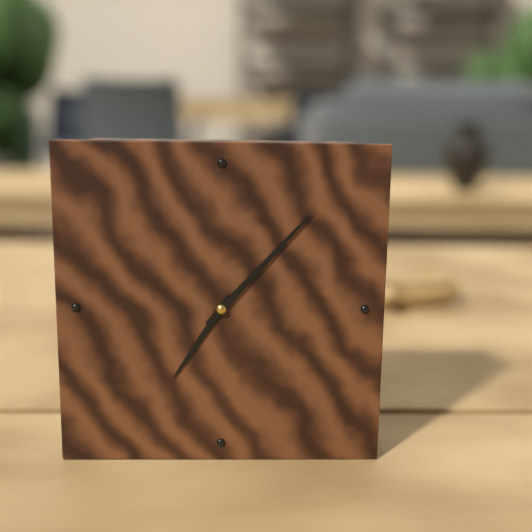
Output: h=7 m=7
